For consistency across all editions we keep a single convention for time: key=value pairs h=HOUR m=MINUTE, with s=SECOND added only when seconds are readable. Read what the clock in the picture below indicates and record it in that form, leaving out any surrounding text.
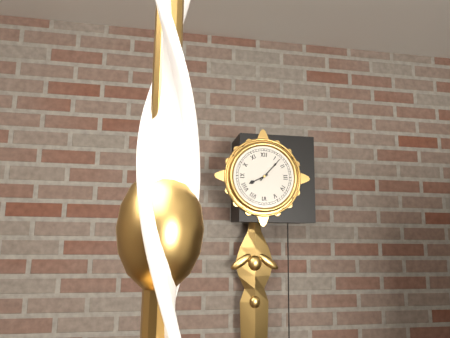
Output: h=8 m=7
